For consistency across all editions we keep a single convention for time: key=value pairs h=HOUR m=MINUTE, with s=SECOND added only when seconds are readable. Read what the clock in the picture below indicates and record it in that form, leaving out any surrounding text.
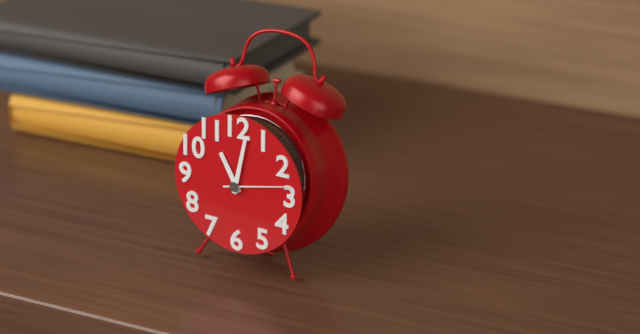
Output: h=11 m=2 s=13
